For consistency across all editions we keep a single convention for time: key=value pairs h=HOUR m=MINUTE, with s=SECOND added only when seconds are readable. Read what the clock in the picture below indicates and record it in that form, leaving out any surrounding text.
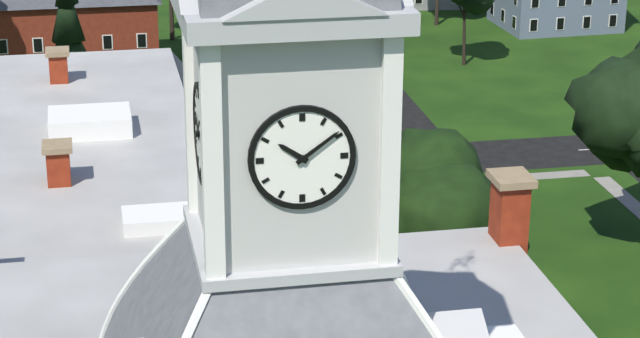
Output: h=10 m=9
